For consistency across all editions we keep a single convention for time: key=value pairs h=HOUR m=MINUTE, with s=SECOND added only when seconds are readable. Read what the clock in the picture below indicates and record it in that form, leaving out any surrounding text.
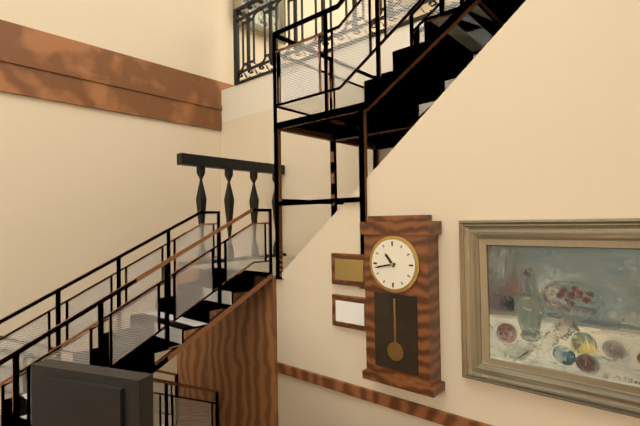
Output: h=10 m=43
